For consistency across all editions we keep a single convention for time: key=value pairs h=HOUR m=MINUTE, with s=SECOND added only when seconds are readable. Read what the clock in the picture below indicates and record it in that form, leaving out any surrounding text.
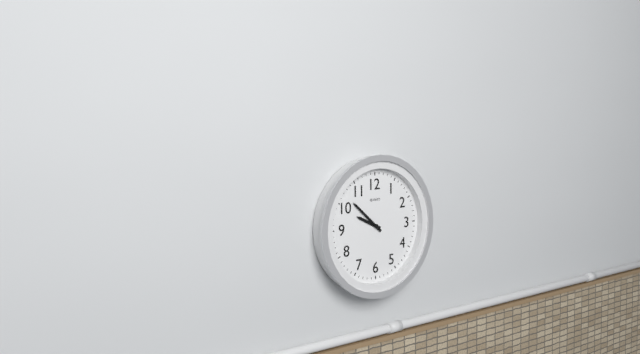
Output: h=9 m=52
